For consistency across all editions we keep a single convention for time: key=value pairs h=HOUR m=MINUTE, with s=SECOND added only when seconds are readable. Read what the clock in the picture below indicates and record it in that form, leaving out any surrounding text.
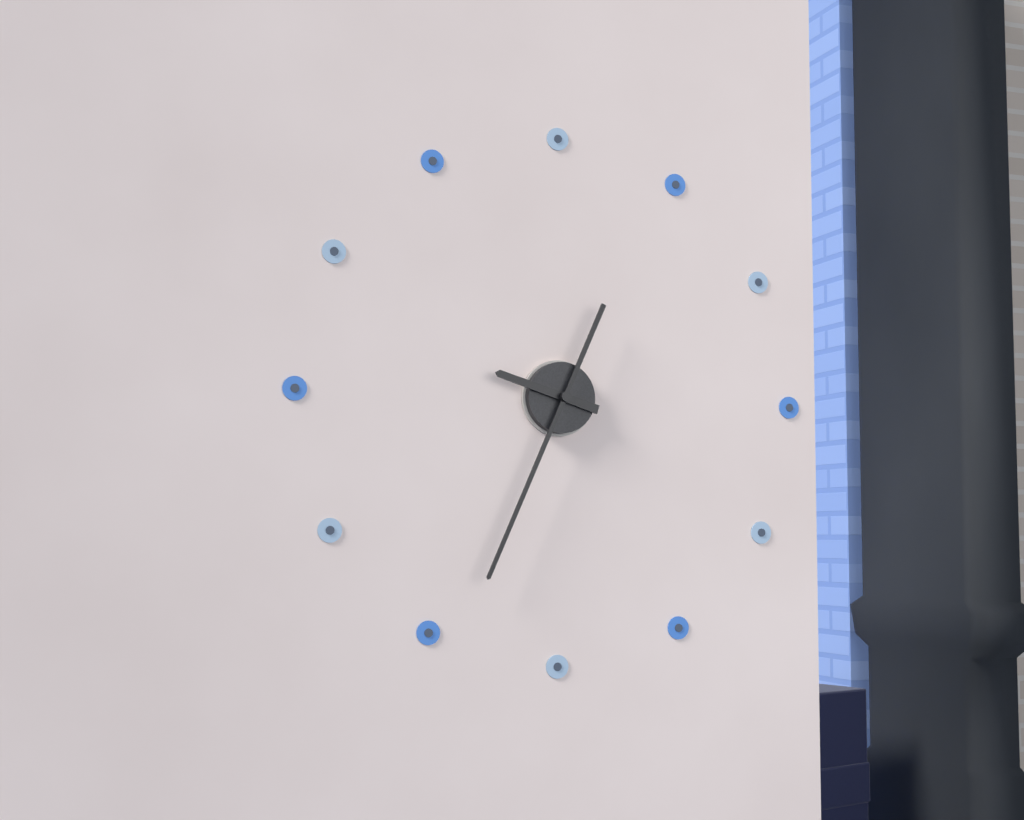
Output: h=9 m=34
